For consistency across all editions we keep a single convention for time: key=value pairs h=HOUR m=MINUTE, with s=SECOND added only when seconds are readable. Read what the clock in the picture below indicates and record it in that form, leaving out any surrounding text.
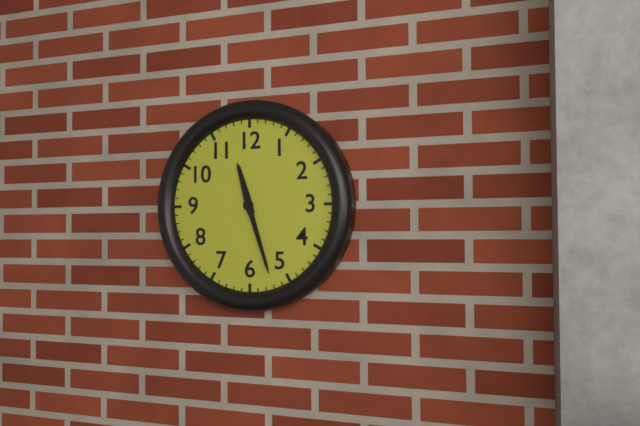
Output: h=11 m=27
